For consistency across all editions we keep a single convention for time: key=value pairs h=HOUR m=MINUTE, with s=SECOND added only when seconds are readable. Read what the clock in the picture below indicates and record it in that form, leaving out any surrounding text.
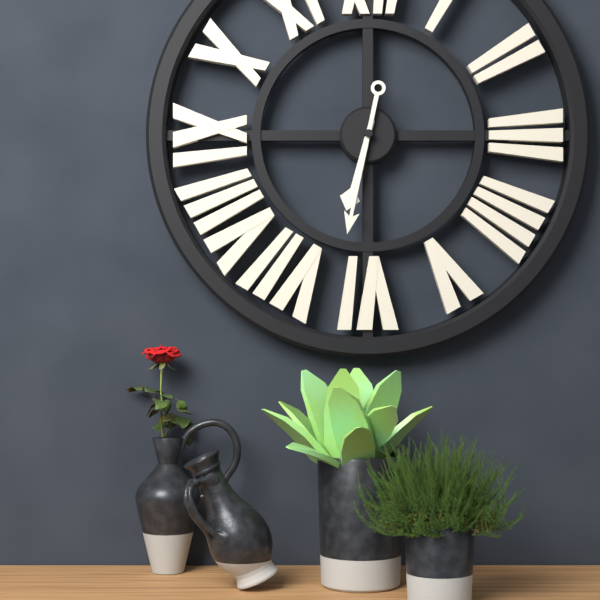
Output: h=6 m=32
